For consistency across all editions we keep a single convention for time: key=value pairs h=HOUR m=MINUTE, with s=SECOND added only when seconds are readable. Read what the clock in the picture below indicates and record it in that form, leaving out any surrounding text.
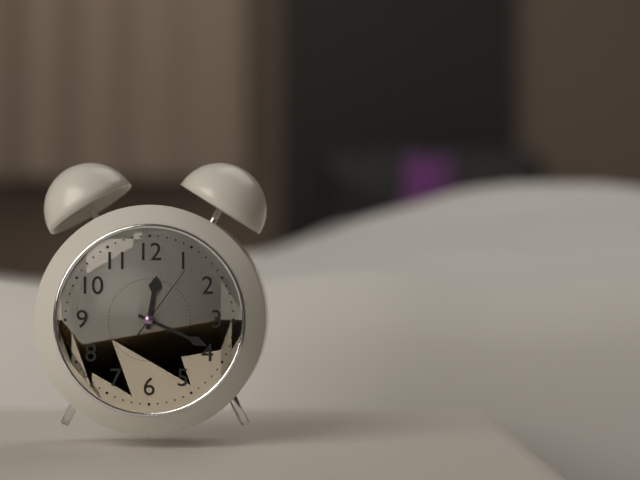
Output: h=12 m=19 s=6
